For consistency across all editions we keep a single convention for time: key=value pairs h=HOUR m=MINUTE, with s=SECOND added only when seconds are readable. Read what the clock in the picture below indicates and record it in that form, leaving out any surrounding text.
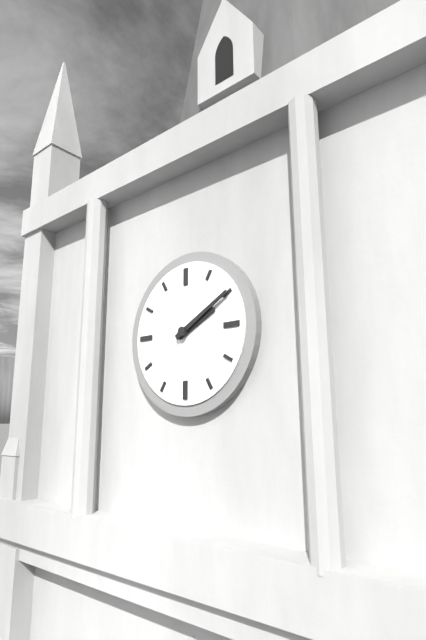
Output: h=2 m=10
